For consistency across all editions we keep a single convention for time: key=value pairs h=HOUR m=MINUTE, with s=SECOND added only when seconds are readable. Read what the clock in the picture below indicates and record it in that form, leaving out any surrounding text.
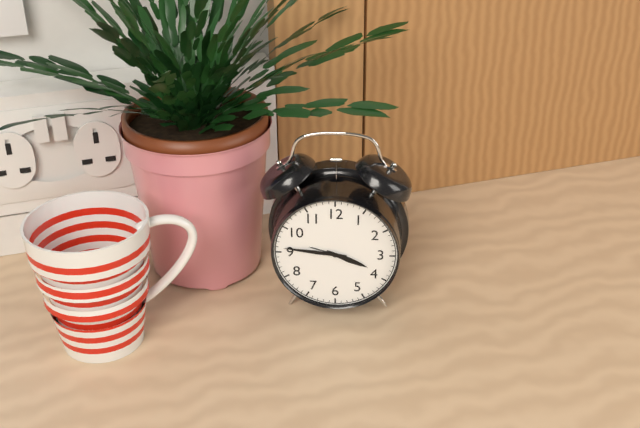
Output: h=3 m=46
